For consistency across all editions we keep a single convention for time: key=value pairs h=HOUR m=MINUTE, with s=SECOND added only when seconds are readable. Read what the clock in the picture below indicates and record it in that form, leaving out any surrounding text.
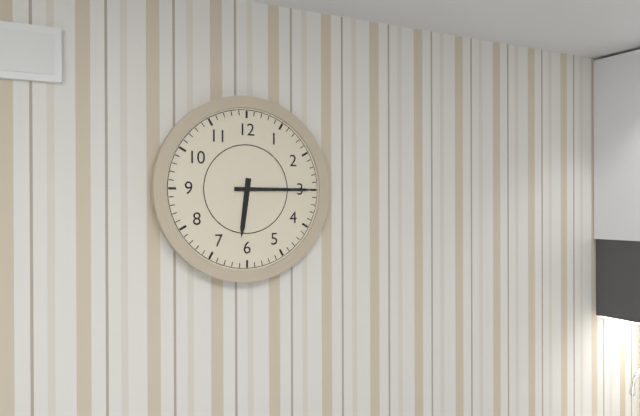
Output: h=6 m=15
